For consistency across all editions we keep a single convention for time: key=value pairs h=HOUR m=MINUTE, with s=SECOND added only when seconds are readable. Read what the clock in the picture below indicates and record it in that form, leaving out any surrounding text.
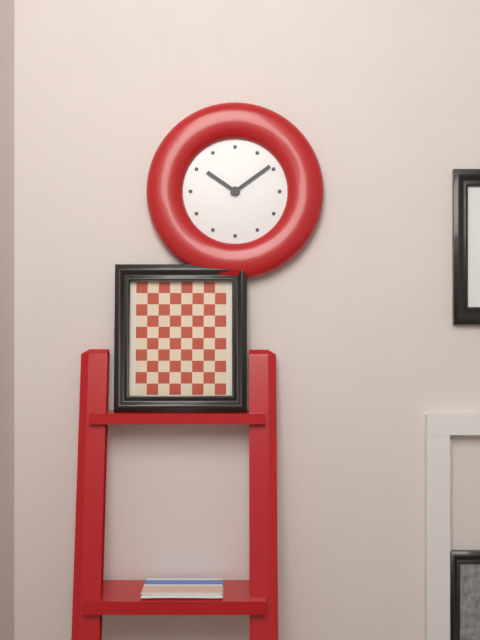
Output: h=10 m=9
